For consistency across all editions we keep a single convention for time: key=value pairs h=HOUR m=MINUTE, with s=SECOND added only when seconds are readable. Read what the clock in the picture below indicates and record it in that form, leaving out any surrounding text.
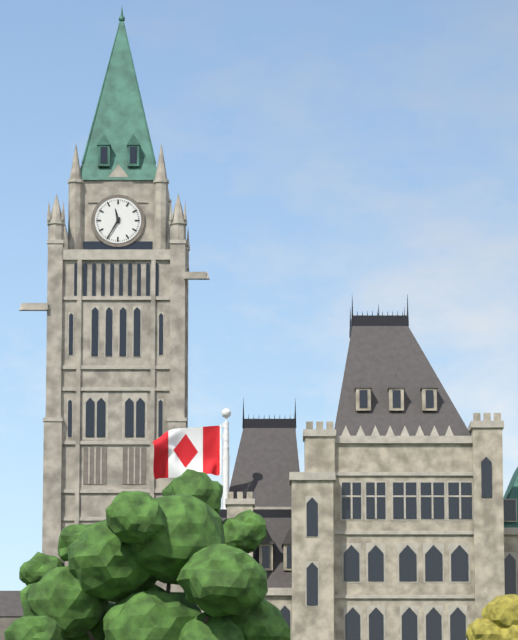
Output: h=11 m=35
